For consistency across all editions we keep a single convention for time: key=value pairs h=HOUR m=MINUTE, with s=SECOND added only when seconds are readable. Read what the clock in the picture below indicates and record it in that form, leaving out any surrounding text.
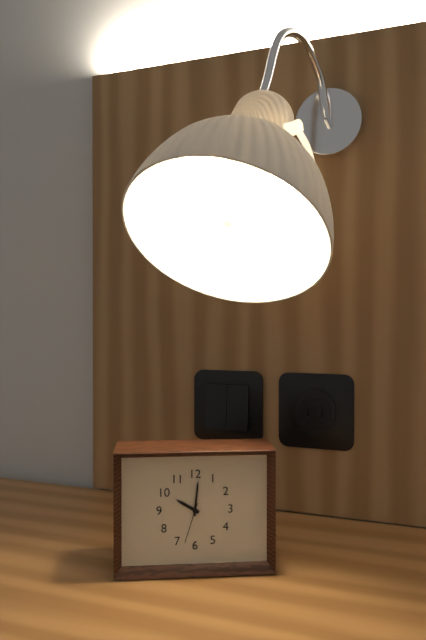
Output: h=10 m=1 s=33
